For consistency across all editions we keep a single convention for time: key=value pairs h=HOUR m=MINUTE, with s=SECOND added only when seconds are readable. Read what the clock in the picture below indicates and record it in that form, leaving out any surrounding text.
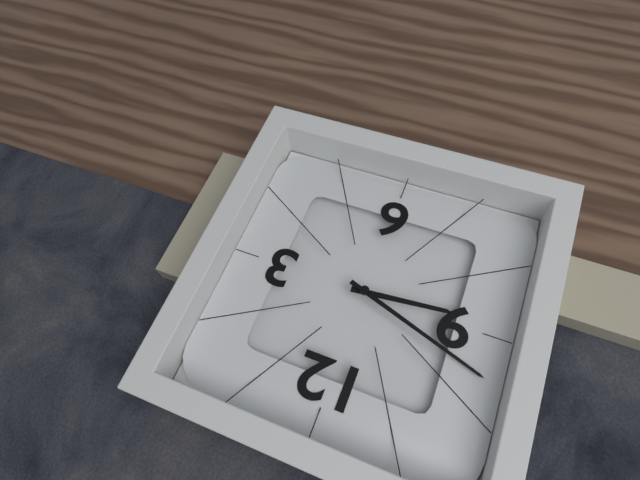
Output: h=8 m=48
